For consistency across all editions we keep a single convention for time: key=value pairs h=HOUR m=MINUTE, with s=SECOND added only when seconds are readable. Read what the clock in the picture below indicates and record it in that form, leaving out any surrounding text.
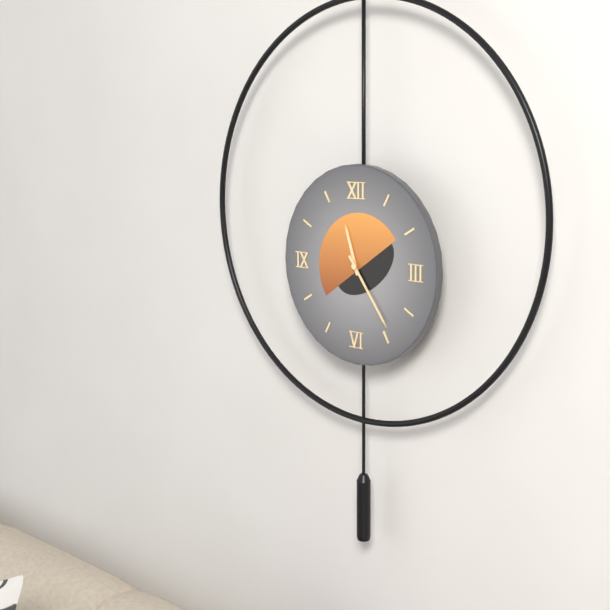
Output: h=11 m=24
